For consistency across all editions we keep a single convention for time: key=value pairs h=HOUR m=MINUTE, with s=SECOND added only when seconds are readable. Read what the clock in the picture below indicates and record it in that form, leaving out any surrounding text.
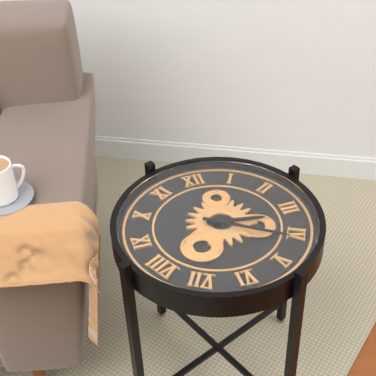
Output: h=3 m=21
